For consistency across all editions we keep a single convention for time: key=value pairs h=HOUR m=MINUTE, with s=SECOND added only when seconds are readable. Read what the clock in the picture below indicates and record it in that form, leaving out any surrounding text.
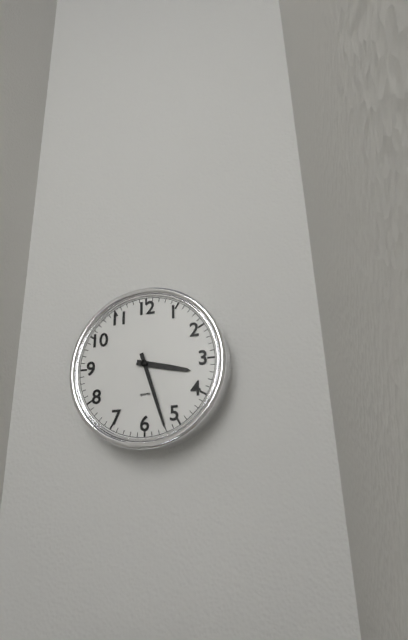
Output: h=3 m=27
